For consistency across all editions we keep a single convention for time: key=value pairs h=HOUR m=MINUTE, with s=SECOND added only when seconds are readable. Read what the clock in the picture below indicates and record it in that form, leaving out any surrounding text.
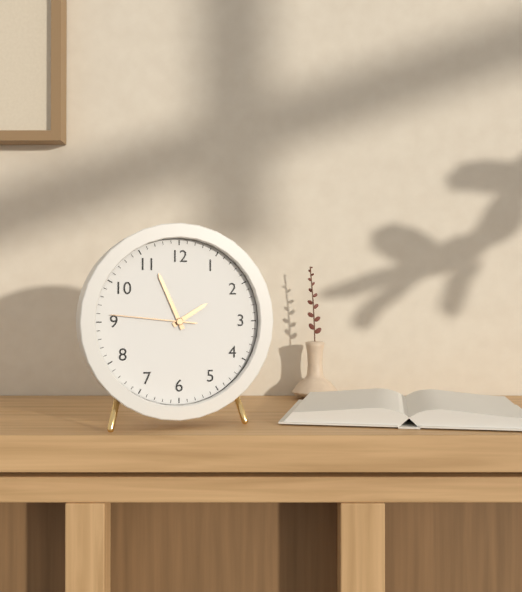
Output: h=1 m=56 s=46
